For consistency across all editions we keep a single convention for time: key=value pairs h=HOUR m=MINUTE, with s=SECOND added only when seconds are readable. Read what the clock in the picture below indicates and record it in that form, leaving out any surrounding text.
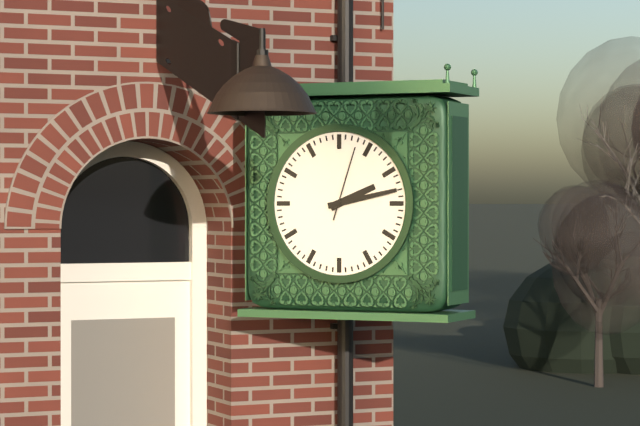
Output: h=2 m=13 s=3
